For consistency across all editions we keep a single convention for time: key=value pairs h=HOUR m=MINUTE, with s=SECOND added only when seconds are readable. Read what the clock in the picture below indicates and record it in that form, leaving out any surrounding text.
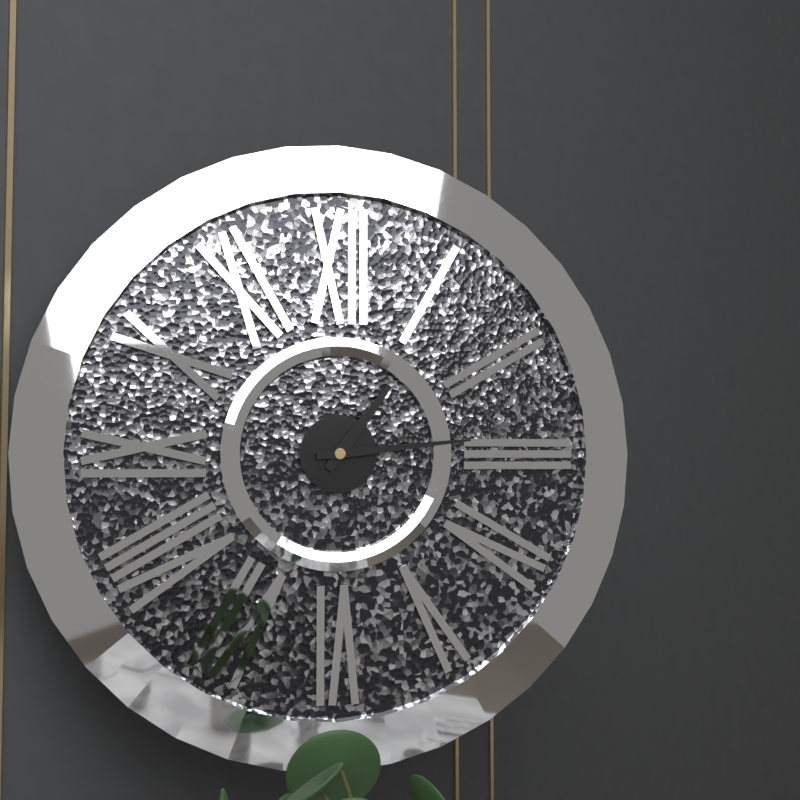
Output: h=1 m=14
